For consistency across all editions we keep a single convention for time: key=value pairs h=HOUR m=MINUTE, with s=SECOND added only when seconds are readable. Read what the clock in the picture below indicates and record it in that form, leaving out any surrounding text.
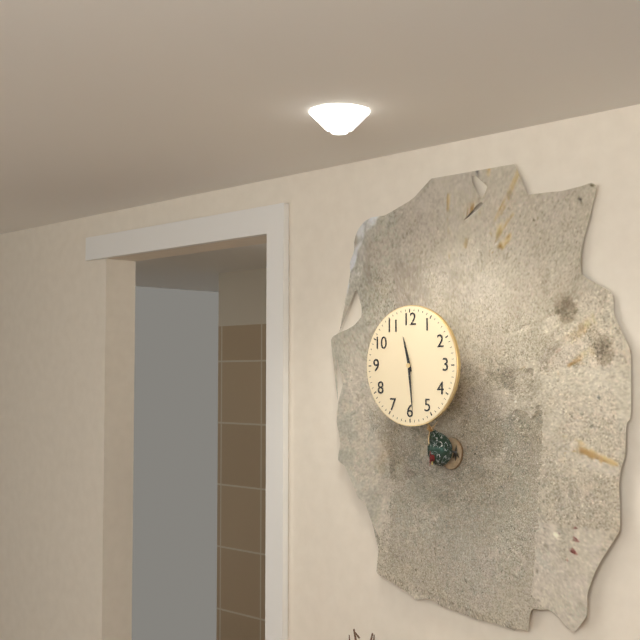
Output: h=11 m=29
